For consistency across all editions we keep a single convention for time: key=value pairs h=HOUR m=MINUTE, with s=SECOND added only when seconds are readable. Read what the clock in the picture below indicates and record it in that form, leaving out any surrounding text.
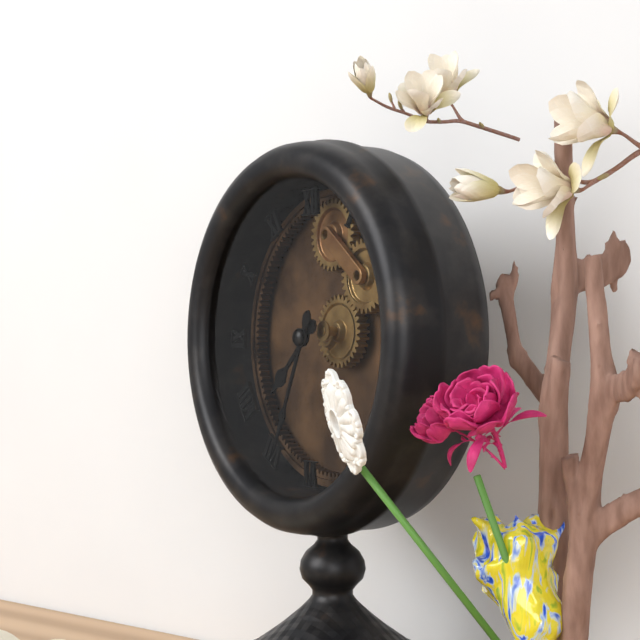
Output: h=7 m=34
